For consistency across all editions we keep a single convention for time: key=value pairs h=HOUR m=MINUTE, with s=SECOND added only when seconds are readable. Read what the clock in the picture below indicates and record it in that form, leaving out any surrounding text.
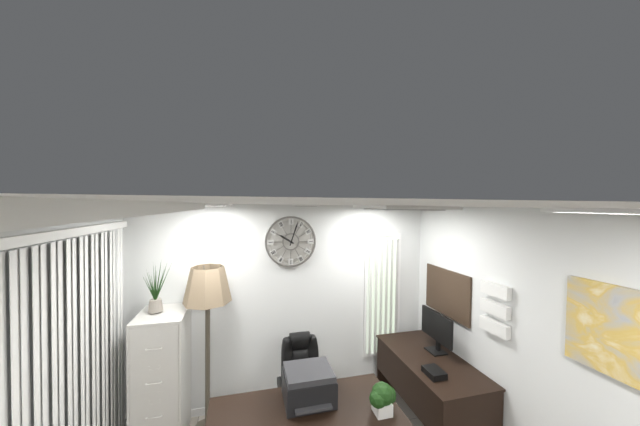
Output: h=10 m=3
